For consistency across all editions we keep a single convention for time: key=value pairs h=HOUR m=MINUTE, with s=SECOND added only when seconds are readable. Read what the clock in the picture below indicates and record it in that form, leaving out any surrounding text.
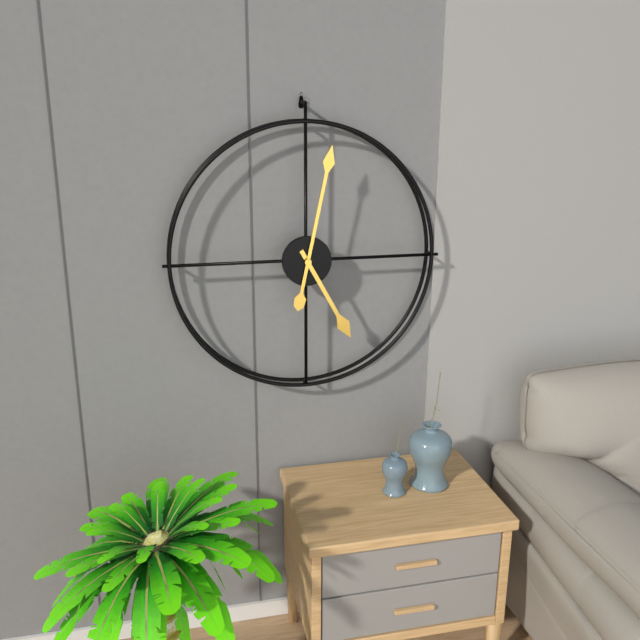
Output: h=5 m=2
